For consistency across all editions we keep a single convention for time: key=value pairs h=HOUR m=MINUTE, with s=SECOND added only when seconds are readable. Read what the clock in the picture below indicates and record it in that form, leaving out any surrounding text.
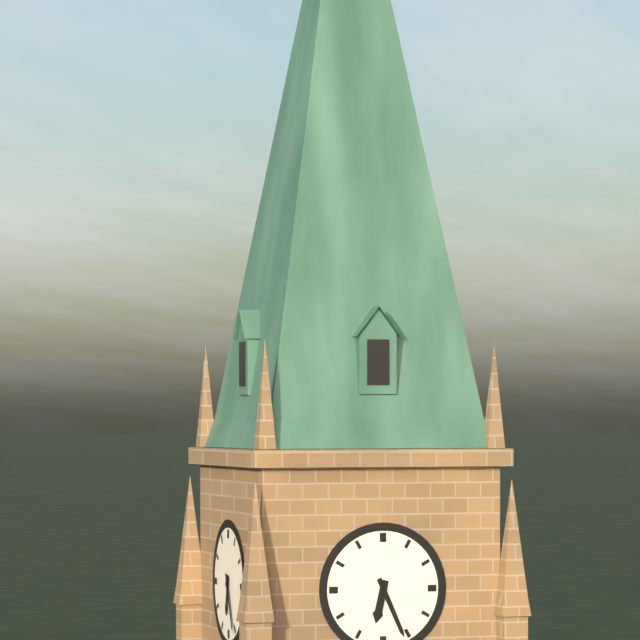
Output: h=6 m=26
